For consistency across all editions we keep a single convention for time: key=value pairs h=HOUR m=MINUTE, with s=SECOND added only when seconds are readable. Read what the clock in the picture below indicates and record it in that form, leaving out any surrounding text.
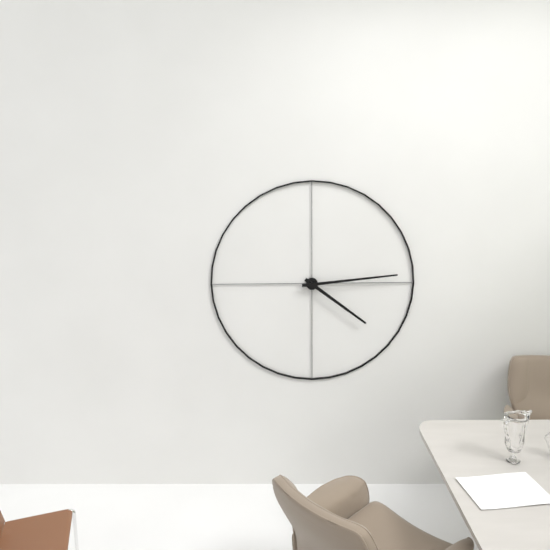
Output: h=4 m=14
